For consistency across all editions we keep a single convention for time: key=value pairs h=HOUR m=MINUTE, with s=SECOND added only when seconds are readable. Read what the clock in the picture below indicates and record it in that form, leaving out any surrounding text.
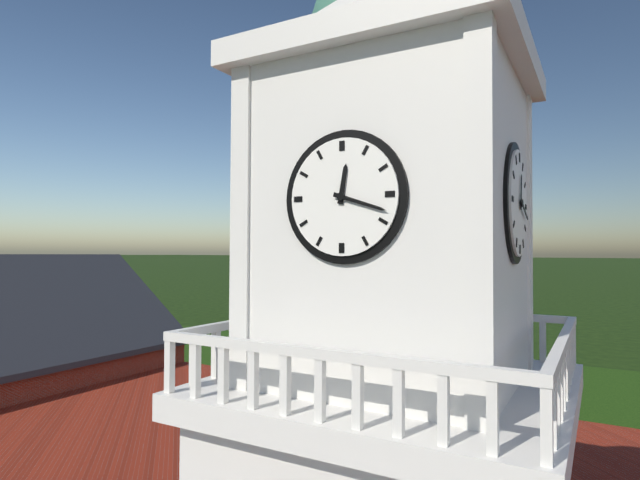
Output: h=12 m=18
